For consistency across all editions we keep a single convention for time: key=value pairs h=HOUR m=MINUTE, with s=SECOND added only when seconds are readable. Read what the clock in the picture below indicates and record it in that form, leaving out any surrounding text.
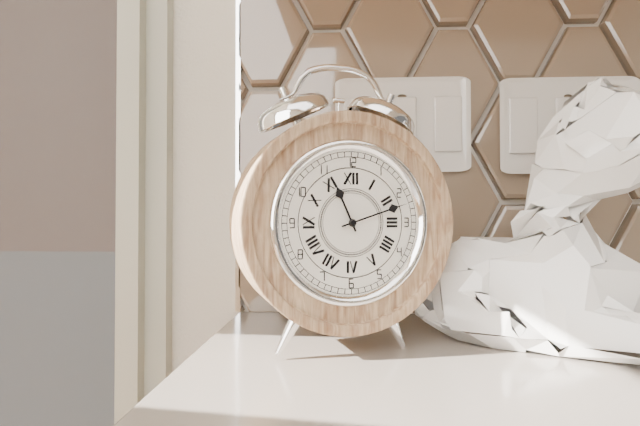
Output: h=11 m=12
